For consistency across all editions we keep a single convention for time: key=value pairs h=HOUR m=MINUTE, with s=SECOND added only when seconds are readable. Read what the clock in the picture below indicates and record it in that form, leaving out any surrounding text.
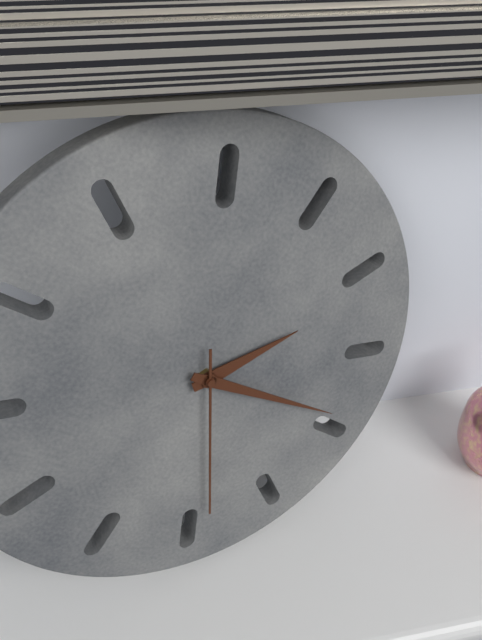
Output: h=1 m=14 s=24
